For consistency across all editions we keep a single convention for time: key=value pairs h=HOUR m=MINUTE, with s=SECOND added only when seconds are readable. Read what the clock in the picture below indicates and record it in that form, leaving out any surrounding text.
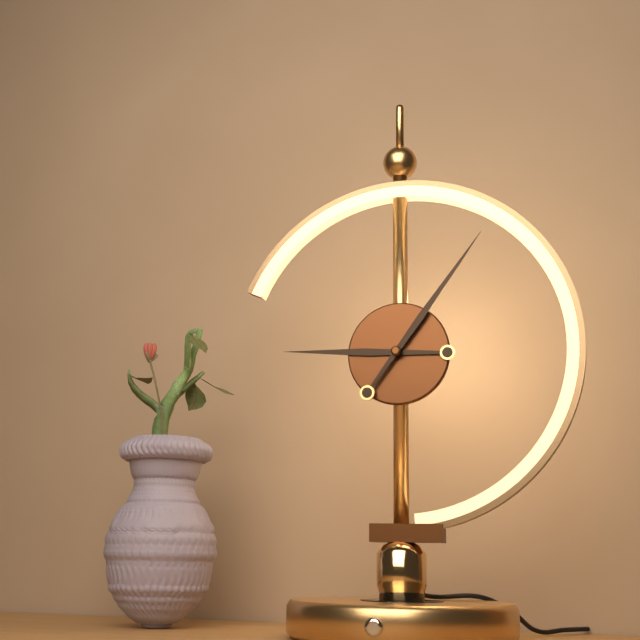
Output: h=9 m=6
